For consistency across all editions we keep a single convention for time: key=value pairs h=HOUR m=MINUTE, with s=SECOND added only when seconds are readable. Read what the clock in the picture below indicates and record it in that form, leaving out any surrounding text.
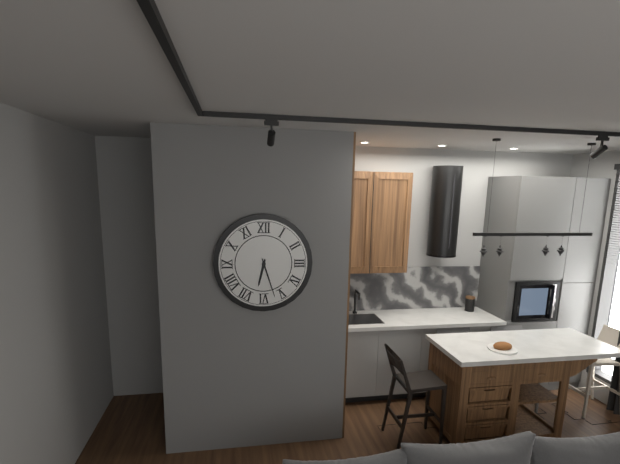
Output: h=6 m=27
